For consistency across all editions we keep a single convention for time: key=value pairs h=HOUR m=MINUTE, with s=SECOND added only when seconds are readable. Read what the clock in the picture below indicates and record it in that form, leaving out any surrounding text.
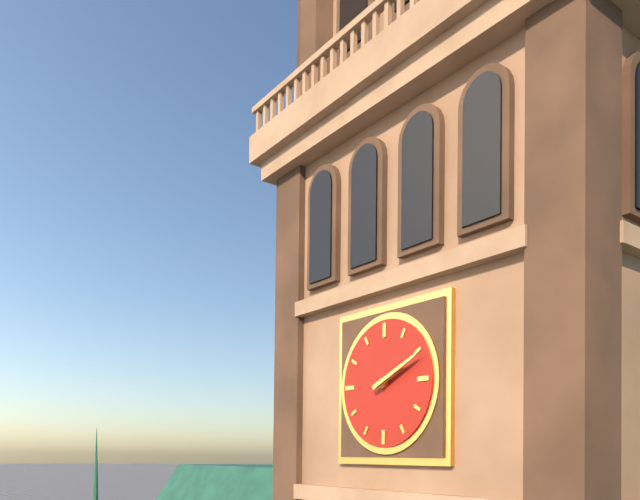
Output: h=2 m=11
